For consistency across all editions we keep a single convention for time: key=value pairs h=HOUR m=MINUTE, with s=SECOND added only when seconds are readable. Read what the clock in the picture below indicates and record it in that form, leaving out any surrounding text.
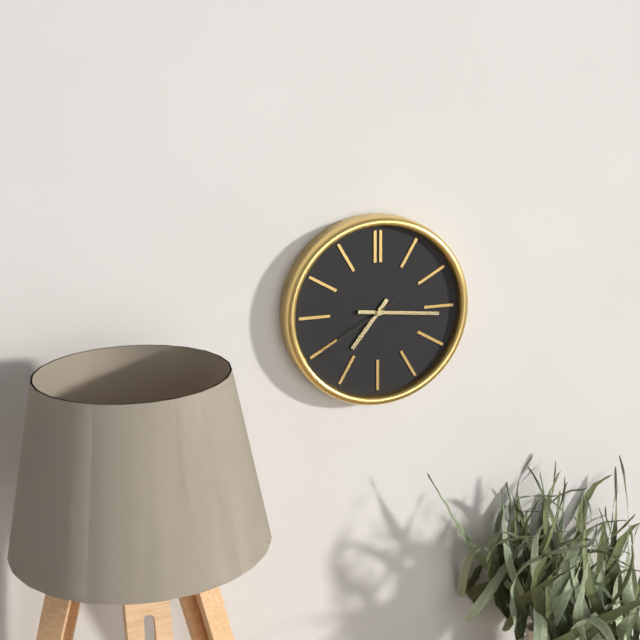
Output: h=7 m=16 s=40
